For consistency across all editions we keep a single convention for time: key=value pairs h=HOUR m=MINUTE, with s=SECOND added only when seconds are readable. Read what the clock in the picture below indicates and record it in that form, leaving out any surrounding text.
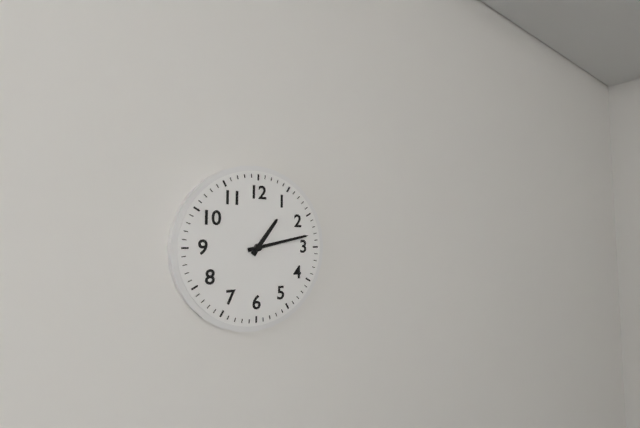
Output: h=1 m=13
